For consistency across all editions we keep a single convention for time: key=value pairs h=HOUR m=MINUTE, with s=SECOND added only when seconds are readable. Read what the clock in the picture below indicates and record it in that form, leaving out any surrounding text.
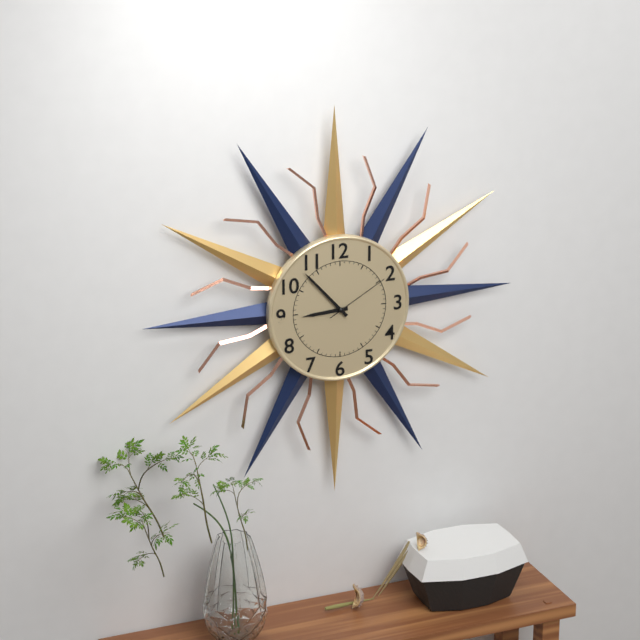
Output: h=8 m=53 s=10
